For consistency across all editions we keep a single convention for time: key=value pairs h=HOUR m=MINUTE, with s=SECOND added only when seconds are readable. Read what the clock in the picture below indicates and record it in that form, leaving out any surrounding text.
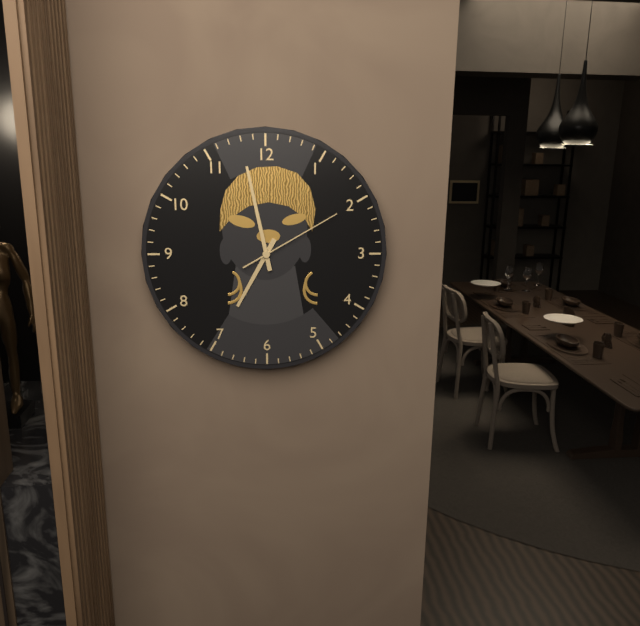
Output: h=6 m=58 s=10
